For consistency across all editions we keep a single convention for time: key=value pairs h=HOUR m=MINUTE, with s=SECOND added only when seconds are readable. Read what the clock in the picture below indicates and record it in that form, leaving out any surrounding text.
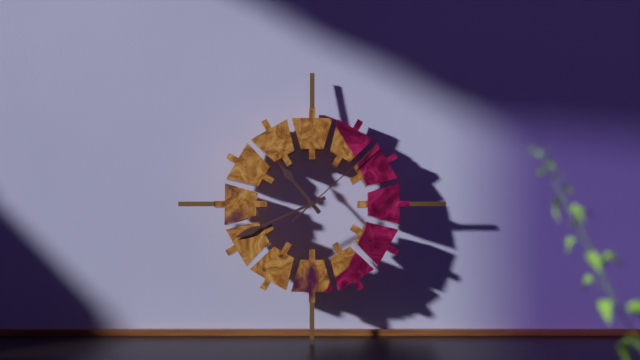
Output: h=10 m=41 s=8
